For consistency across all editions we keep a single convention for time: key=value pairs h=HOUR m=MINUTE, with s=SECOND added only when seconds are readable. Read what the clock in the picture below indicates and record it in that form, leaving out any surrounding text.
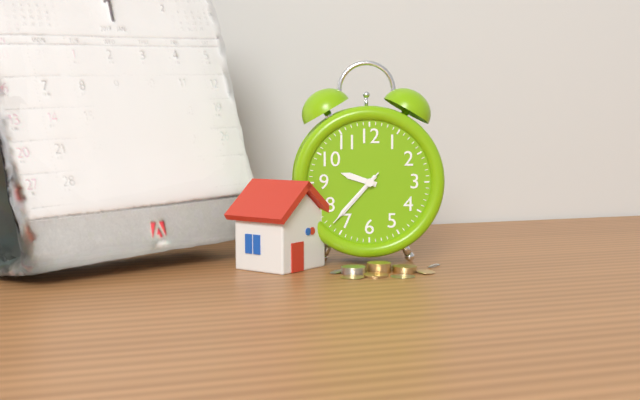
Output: h=9 m=37 s=37
